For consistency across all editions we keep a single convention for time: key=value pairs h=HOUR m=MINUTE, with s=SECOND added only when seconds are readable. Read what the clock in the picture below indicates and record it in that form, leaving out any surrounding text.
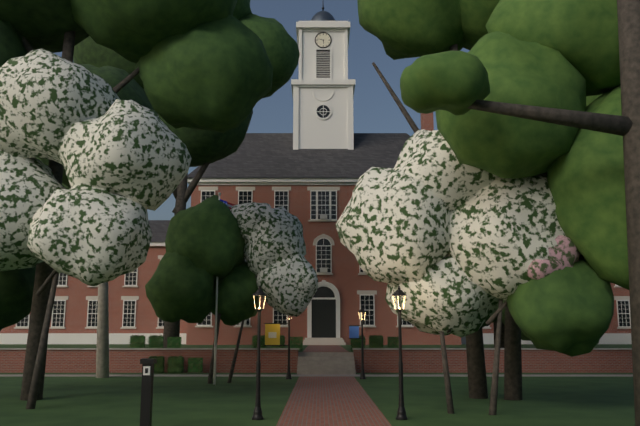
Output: h=5 m=47
